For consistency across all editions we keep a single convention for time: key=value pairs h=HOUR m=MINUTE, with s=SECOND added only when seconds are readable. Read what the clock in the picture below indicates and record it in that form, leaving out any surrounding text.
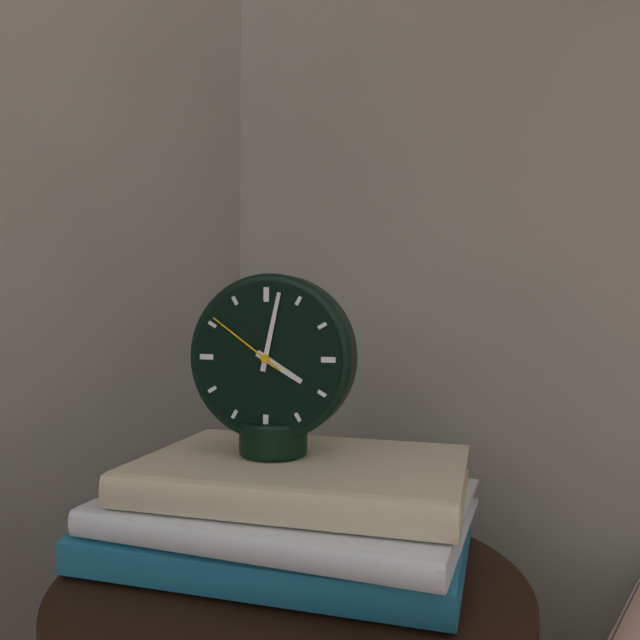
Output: h=4 m=2 s=51
